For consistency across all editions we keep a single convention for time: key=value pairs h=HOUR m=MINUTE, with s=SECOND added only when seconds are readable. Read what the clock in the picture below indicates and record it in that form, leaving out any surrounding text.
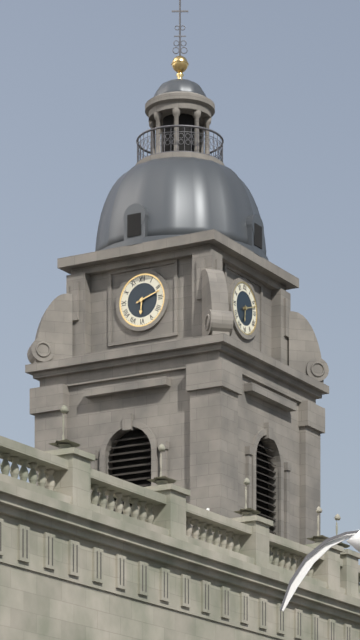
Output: h=6 m=12
